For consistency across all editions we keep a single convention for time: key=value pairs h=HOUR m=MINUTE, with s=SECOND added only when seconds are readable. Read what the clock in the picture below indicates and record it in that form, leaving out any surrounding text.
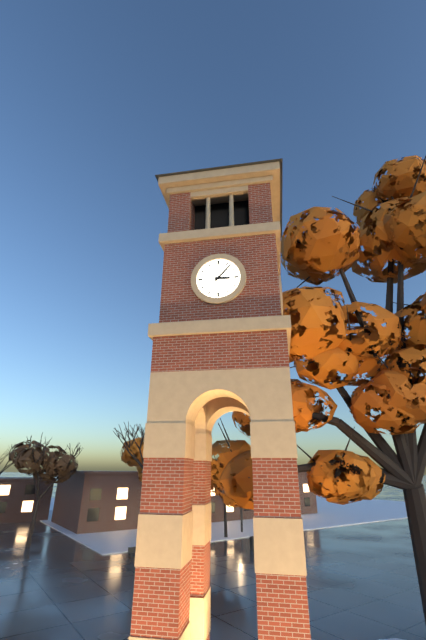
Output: h=3 m=7
